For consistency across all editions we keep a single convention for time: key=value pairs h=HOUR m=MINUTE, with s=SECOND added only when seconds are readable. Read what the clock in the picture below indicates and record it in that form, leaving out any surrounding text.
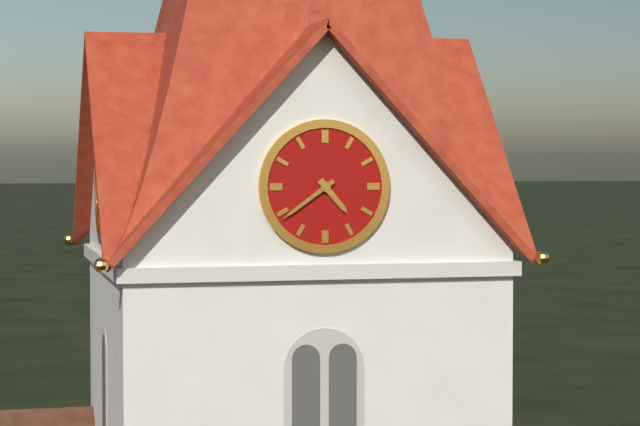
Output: h=4 m=39
